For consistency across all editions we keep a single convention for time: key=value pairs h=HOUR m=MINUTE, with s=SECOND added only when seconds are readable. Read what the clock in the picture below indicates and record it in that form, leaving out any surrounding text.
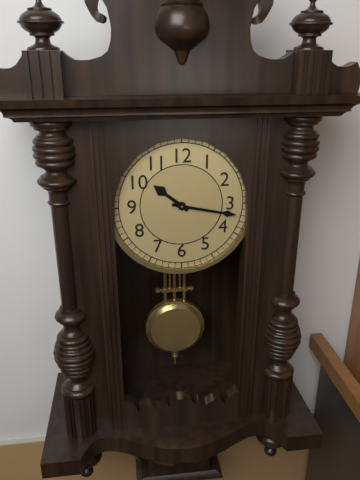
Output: h=10 m=17
